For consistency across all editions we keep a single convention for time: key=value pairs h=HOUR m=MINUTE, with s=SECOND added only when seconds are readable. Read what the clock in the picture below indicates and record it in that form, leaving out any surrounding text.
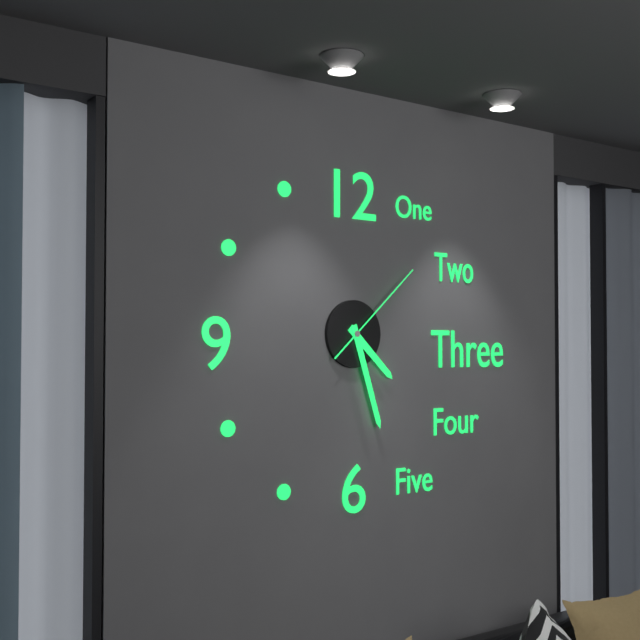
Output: h=4 m=27 s=8
